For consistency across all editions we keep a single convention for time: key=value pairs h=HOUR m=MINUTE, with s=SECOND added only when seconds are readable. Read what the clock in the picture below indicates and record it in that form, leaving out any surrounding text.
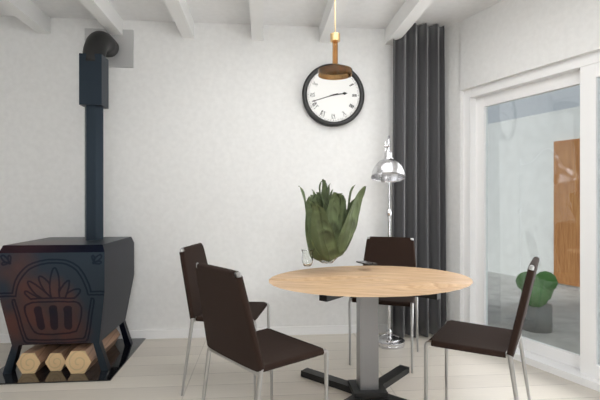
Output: h=2 m=42
